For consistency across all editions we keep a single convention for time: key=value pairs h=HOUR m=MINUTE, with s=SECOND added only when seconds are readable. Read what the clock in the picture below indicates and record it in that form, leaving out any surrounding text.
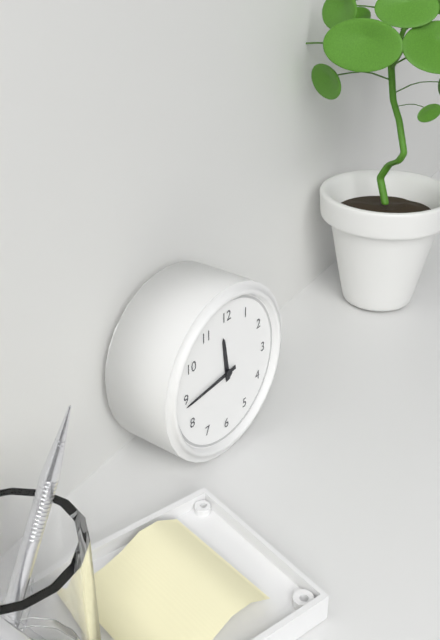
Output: h=11 m=44
